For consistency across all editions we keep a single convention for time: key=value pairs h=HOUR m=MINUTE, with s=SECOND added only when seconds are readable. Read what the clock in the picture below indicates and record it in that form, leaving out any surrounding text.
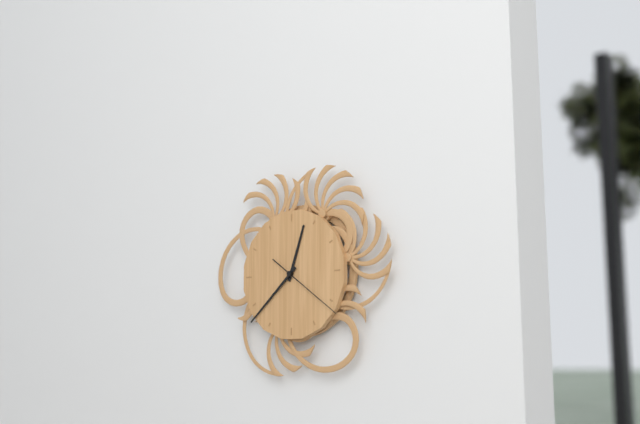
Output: h=12 m=38 s=21
